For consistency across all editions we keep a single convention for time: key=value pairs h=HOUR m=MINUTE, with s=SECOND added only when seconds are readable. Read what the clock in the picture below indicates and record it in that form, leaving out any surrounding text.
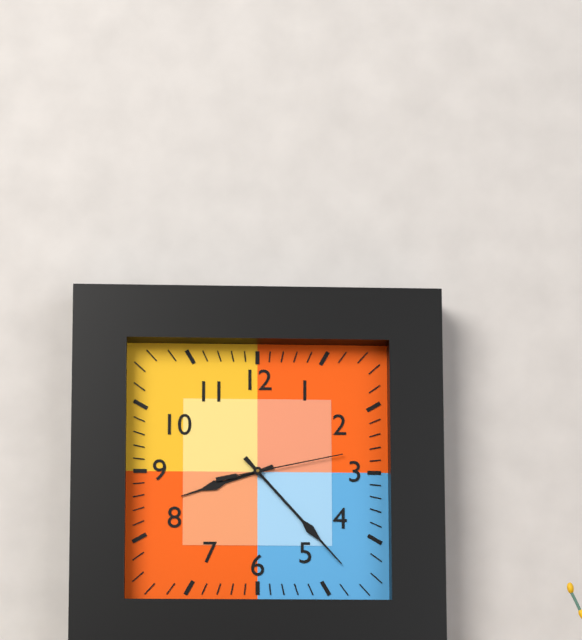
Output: h=8 m=23 s=13
